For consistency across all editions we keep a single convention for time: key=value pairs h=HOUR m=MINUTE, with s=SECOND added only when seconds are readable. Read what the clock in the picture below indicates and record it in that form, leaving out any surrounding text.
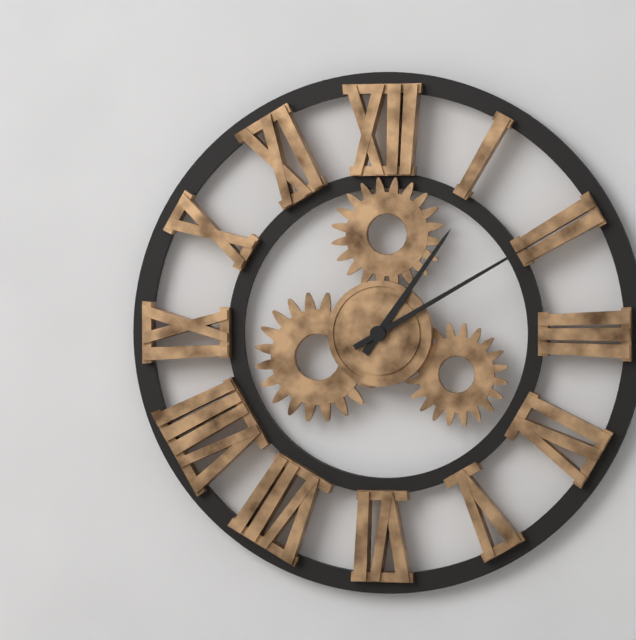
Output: h=1 m=10
